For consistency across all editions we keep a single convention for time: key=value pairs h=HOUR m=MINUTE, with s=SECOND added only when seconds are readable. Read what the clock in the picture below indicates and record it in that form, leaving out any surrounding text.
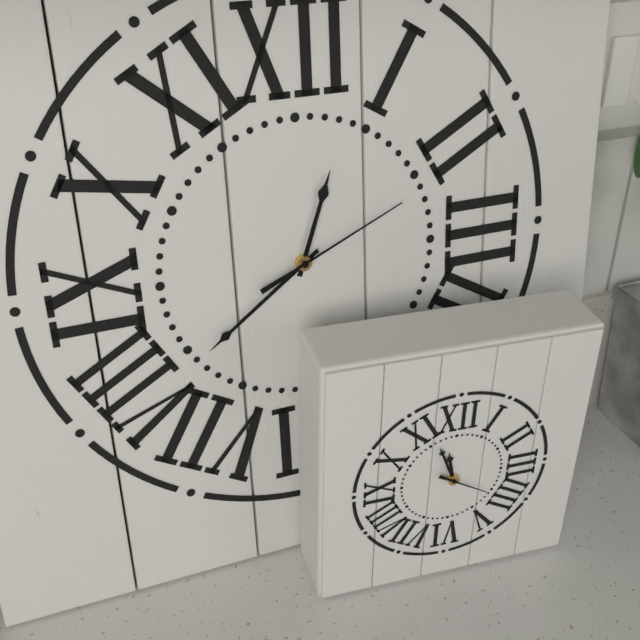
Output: h=12 m=39 s=11
